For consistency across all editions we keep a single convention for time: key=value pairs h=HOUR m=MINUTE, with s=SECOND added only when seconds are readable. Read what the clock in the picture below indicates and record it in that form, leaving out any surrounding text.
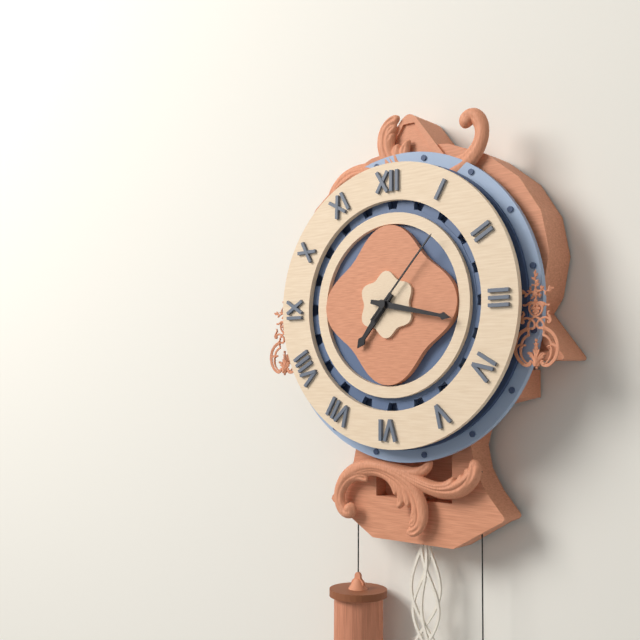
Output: h=7 m=17 s=7
